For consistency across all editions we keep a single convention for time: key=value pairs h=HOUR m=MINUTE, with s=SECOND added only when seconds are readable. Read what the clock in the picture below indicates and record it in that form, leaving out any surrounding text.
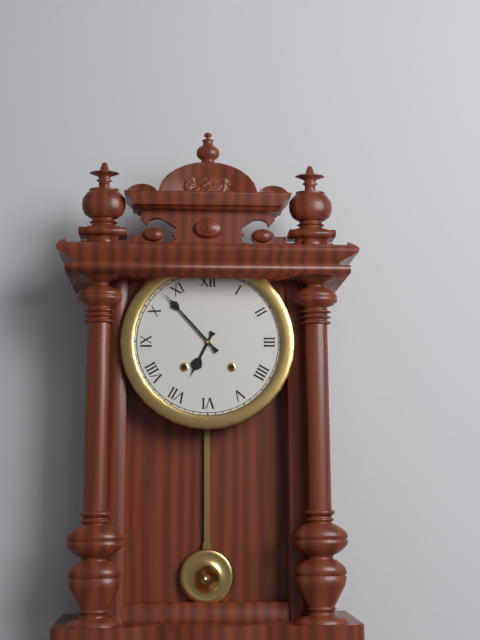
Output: h=6 m=53
